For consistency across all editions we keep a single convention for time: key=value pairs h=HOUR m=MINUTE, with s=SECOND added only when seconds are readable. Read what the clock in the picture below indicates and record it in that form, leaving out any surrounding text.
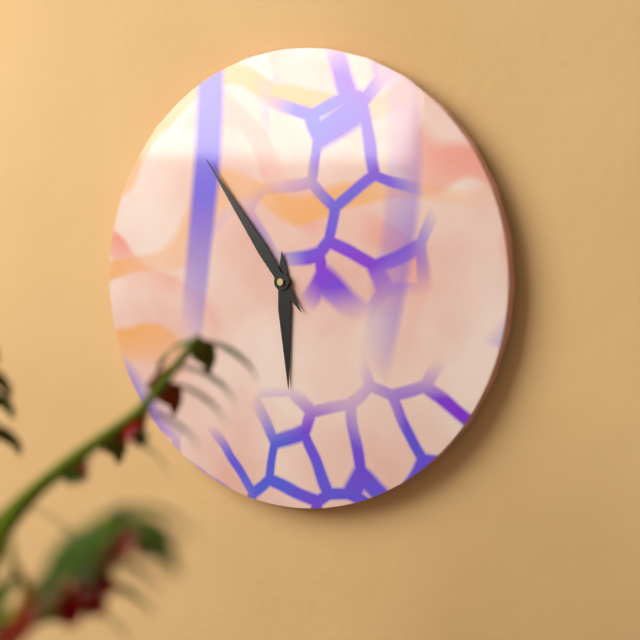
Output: h=5 m=54
